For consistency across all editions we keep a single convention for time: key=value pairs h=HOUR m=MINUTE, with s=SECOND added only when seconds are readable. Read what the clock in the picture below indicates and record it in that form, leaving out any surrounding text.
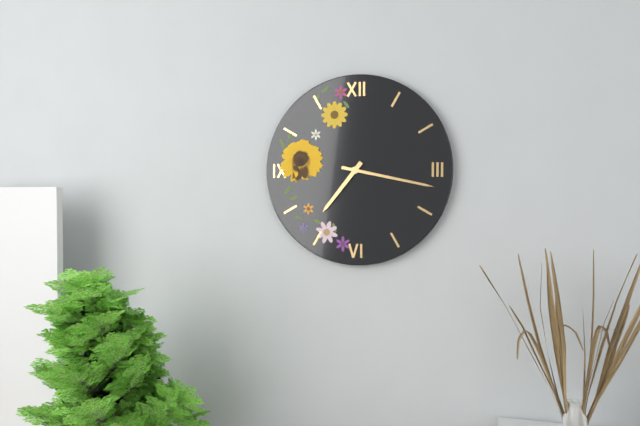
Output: h=7 m=17
